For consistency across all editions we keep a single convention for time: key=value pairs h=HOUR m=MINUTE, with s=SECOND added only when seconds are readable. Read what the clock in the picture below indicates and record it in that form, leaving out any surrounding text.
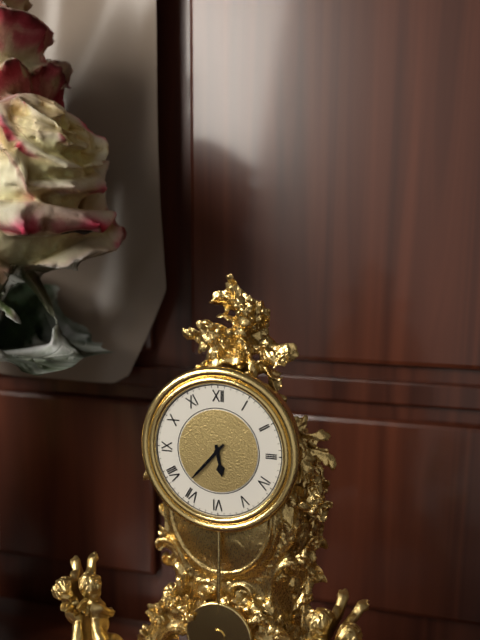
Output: h=5 m=37
